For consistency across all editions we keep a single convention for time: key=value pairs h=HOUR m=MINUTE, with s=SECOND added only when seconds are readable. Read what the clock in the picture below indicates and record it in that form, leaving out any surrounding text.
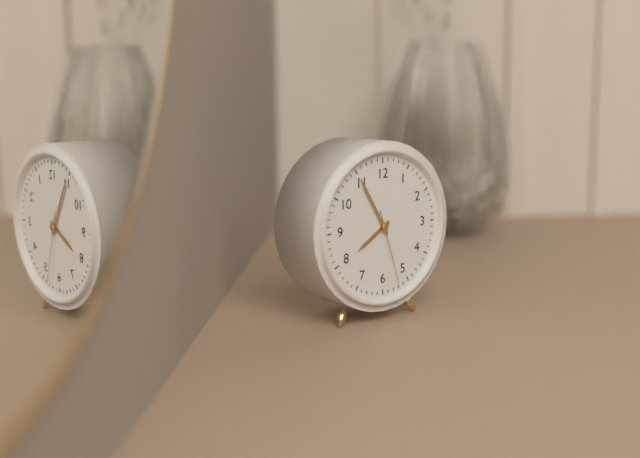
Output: h=7 m=55 s=27
